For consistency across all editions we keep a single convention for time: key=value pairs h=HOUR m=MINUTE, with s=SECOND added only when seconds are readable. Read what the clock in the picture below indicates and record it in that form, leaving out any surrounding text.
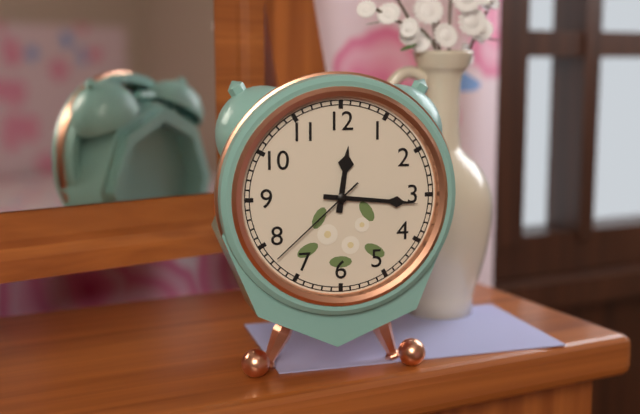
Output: h=12 m=16 s=38
